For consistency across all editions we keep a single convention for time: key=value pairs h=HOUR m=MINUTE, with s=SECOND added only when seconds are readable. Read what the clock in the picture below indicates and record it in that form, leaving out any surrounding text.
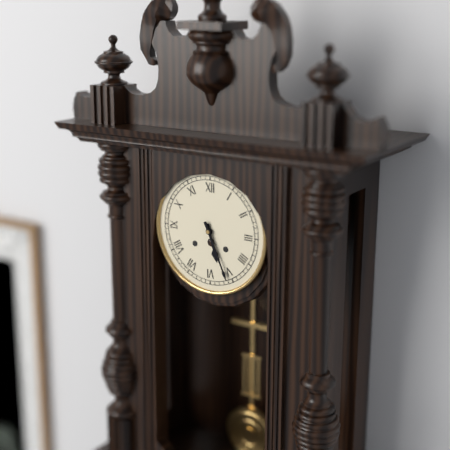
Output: h=5 m=26
